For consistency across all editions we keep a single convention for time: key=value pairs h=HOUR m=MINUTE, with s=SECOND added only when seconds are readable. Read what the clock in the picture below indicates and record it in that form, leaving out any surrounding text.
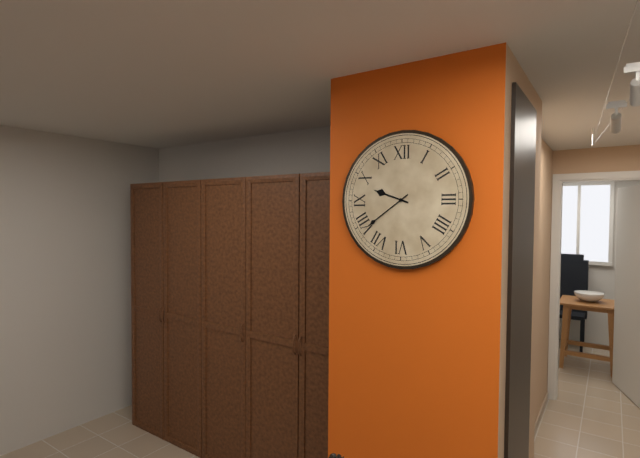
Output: h=9 m=39
